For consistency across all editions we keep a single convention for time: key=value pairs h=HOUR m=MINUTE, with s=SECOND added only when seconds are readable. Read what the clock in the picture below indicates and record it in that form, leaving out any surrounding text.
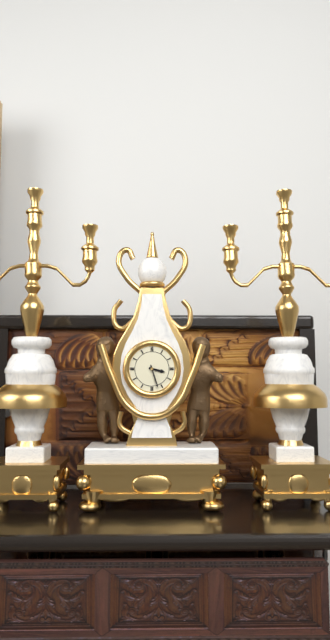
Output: h=3 m=27
